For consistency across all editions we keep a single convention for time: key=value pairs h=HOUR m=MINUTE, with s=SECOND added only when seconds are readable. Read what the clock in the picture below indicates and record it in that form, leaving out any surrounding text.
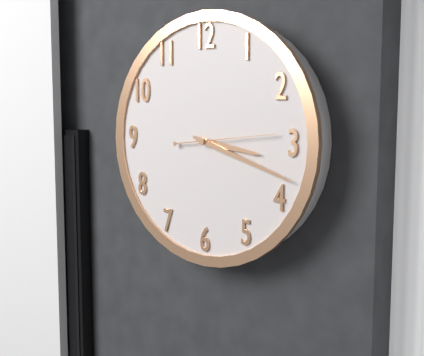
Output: h=3 m=18 s=14
